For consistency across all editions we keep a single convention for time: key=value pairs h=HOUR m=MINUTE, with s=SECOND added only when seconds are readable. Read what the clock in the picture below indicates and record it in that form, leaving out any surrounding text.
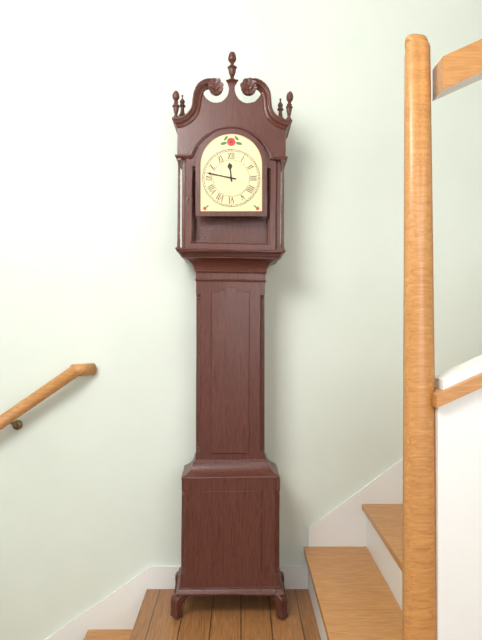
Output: h=11 m=47
